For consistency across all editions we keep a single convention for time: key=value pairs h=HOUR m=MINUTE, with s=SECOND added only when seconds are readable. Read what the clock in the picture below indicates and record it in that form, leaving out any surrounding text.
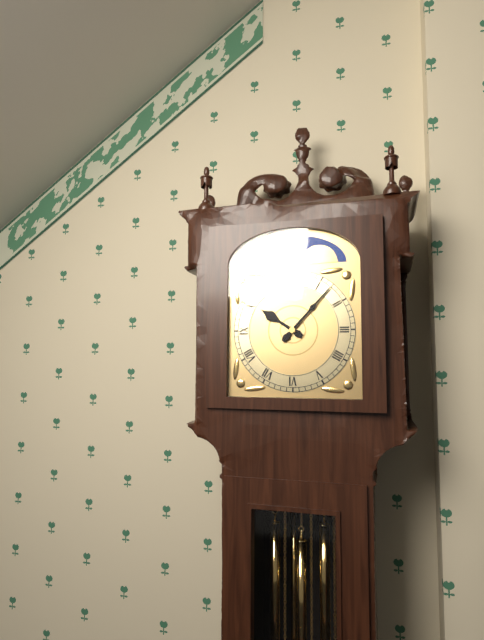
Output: h=10 m=7
